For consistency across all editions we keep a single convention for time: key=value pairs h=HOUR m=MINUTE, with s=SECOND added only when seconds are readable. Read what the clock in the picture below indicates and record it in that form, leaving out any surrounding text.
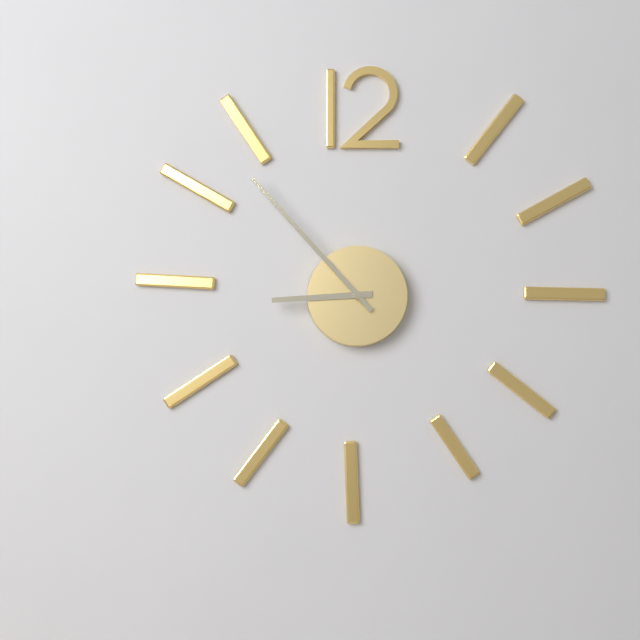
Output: h=8 m=53
